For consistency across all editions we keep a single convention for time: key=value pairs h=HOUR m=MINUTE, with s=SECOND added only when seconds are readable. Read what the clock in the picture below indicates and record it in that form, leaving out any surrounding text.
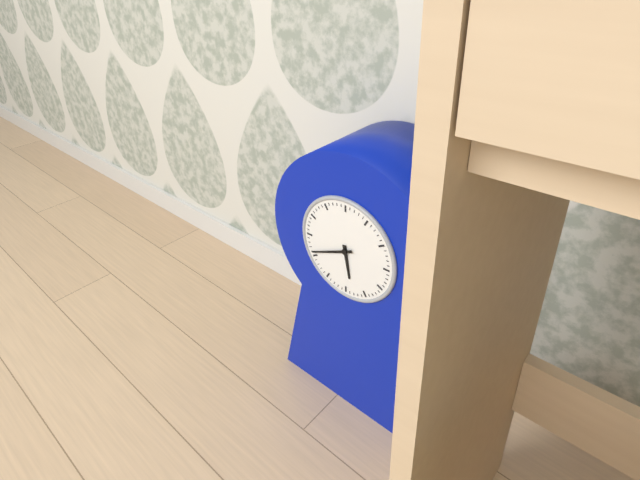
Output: h=5 m=41
